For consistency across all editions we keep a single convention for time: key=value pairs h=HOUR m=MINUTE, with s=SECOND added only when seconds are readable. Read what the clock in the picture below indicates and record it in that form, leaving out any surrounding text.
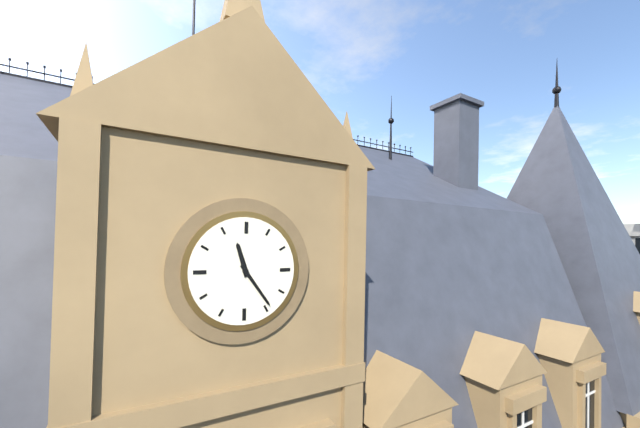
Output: h=11 m=24
